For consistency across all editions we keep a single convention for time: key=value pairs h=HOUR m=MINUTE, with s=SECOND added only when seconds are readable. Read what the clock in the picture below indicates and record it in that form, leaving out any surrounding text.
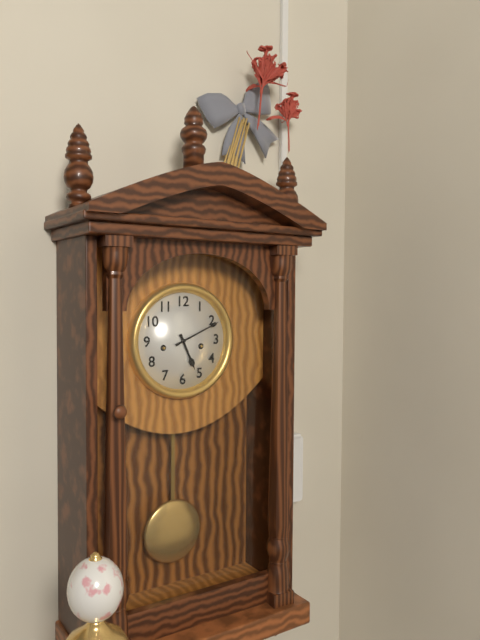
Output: h=5 m=11
